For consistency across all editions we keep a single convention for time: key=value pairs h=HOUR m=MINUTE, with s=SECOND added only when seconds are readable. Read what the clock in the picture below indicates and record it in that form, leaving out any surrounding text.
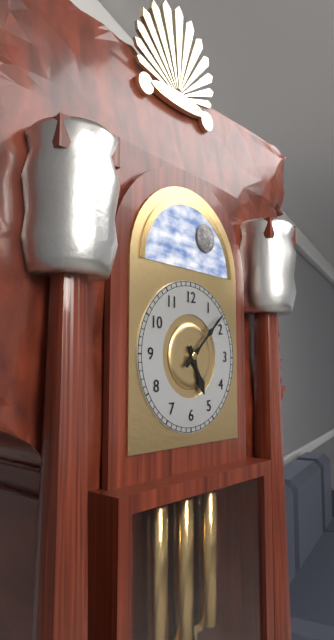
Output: h=5 m=8
